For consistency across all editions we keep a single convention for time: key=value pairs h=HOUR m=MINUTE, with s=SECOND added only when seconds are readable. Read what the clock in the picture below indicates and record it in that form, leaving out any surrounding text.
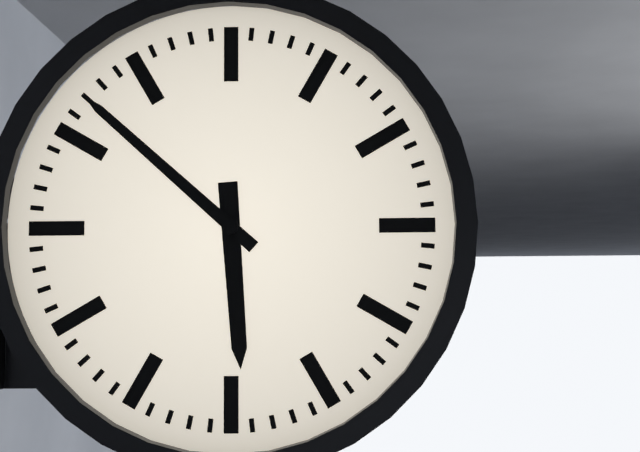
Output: h=5 m=52
